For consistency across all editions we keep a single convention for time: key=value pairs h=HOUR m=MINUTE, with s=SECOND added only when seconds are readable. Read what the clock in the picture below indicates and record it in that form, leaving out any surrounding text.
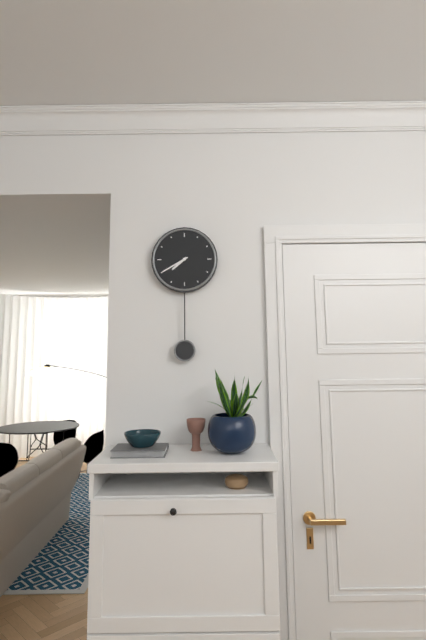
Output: h=7 m=40
